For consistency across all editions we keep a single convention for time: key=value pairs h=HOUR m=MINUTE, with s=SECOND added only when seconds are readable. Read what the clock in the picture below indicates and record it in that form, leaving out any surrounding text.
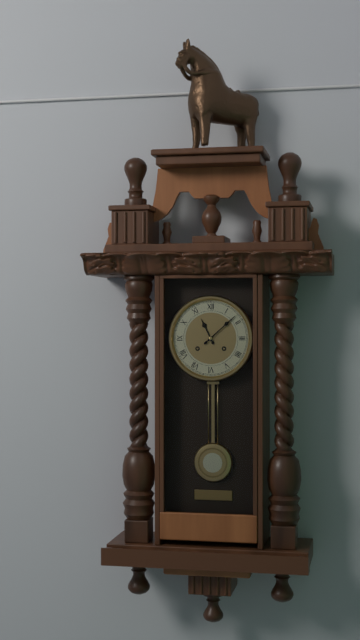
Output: h=11 m=8
